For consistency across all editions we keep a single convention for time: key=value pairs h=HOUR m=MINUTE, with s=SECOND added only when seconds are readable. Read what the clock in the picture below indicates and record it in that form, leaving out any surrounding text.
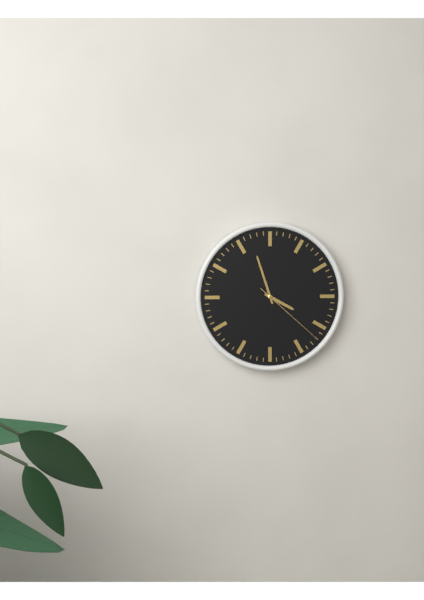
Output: h=3 m=57 s=22
